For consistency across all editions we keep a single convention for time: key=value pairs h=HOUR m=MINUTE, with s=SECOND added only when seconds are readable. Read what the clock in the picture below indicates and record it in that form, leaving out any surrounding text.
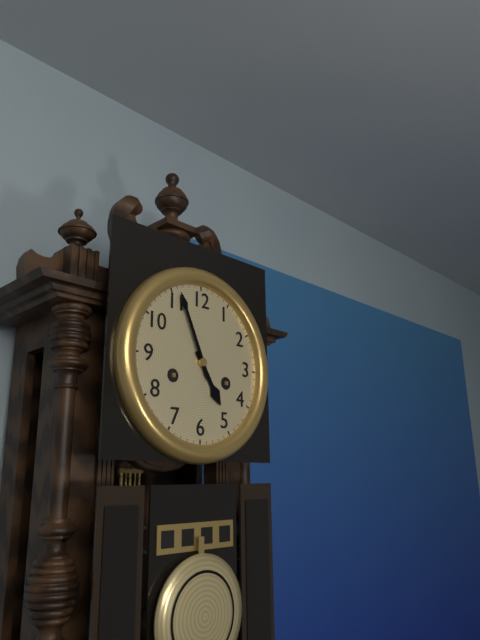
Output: h=4 m=56
